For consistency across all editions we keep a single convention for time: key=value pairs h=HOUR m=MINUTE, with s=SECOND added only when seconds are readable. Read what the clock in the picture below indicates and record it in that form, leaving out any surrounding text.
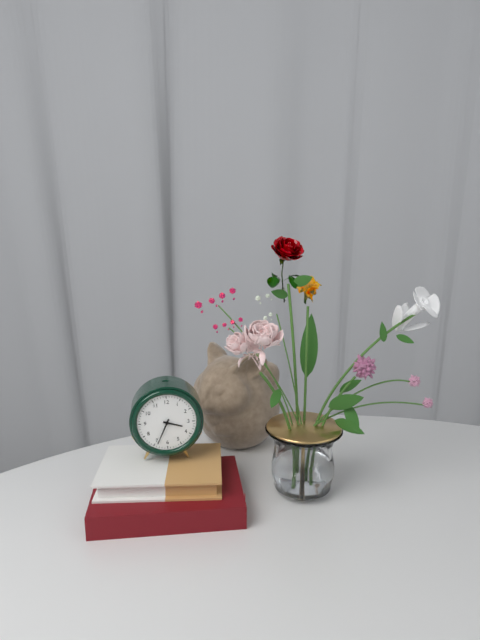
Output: h=3 m=34
